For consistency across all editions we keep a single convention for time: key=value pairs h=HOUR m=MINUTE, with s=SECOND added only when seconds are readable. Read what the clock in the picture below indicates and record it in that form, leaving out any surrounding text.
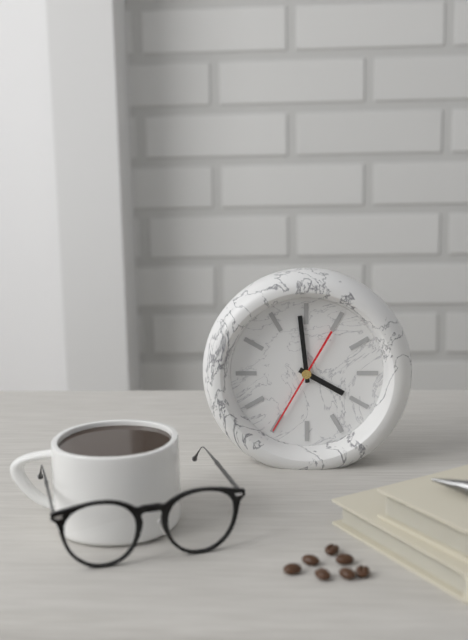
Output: h=3 m=59 s=35
